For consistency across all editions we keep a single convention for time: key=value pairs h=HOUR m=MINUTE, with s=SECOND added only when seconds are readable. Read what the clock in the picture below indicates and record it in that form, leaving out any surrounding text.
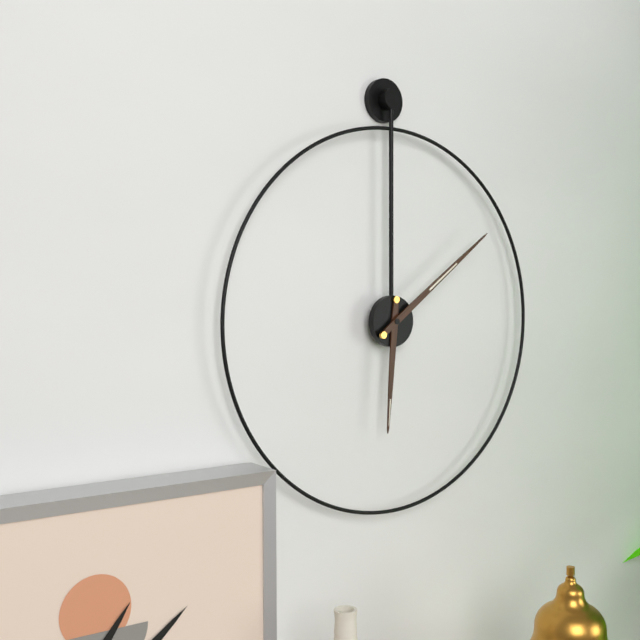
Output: h=6 m=9
